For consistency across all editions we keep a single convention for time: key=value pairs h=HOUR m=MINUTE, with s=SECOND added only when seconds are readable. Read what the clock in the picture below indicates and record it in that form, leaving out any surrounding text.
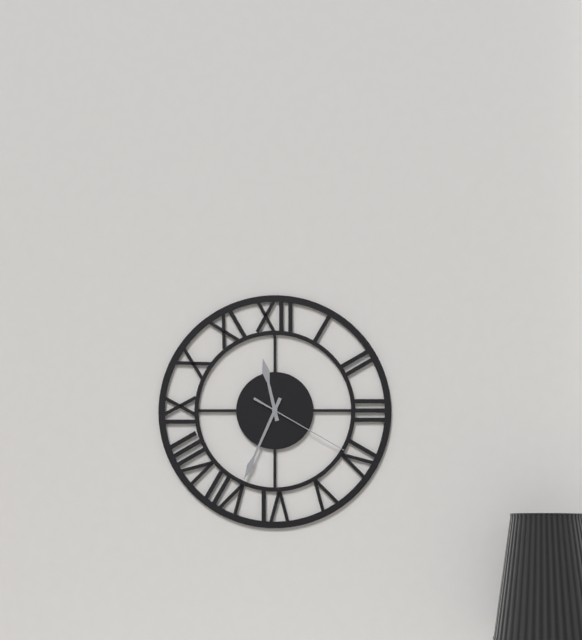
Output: h=11 m=34 s=20
